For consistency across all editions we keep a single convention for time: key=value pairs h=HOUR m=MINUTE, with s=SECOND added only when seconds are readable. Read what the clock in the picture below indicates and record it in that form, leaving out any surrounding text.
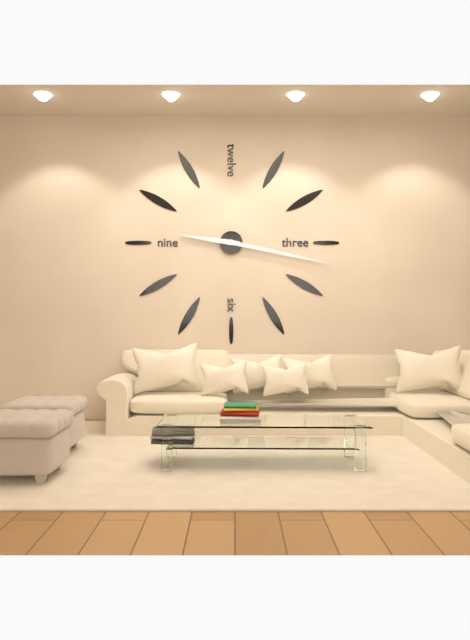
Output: h=9 m=17
